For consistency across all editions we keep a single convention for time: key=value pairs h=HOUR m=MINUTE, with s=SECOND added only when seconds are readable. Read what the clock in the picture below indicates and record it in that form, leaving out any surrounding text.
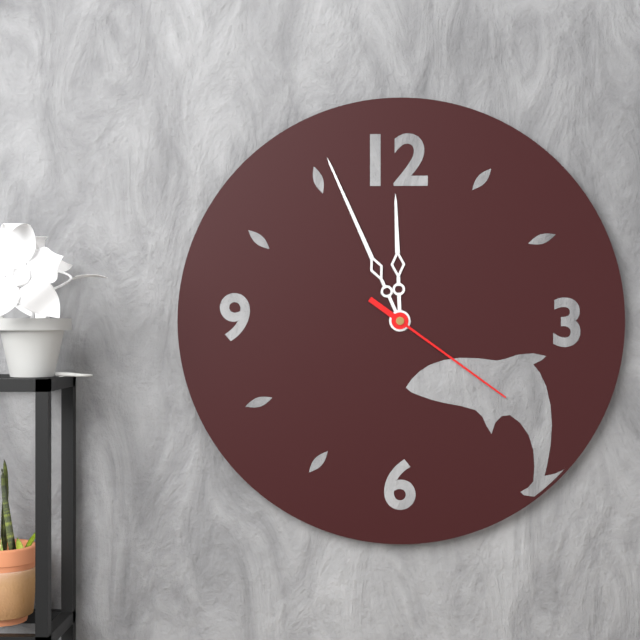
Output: h=11 m=56 s=21
